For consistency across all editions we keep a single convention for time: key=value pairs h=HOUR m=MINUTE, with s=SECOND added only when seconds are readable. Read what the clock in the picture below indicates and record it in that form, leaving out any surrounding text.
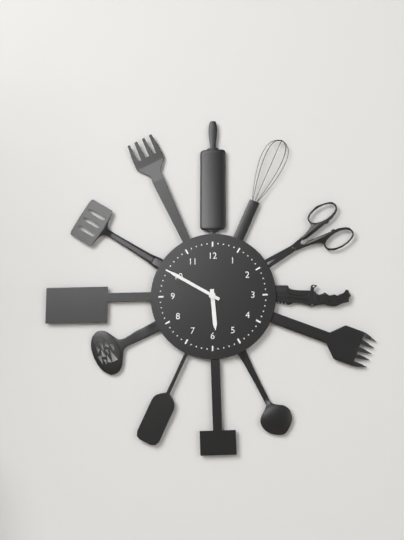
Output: h=5 m=50
